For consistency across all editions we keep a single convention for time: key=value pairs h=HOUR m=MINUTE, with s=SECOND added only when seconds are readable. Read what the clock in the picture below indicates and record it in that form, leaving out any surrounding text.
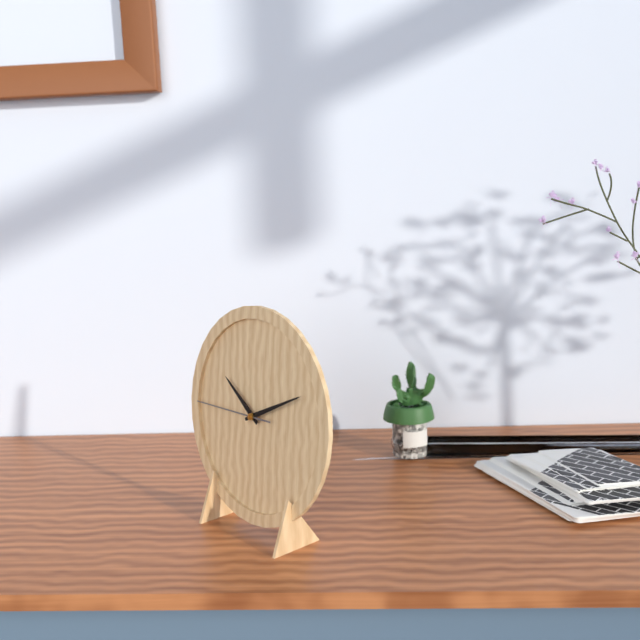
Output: h=10 m=11 s=45
